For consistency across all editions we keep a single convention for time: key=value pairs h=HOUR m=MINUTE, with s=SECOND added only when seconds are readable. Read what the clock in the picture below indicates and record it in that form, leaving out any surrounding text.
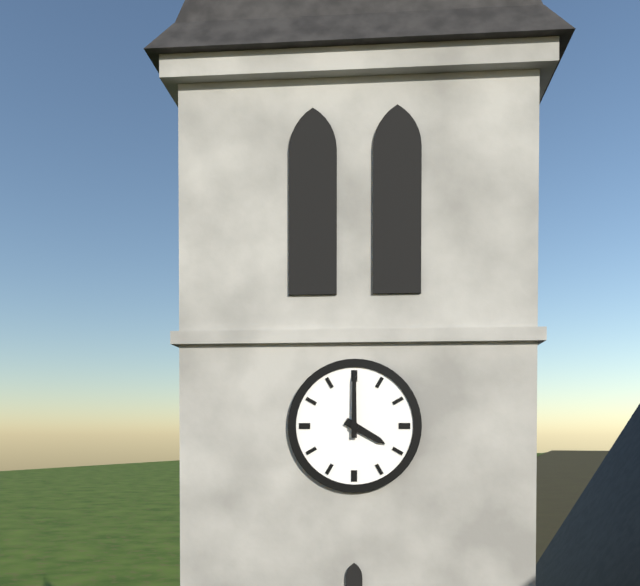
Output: h=4 m=0
